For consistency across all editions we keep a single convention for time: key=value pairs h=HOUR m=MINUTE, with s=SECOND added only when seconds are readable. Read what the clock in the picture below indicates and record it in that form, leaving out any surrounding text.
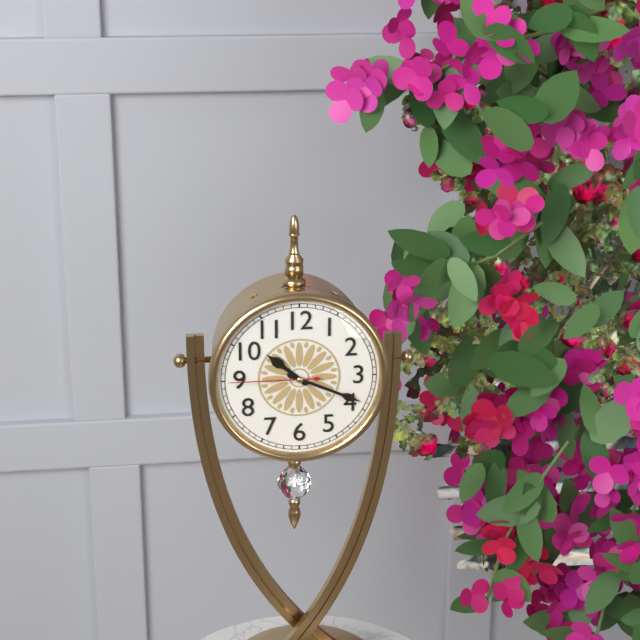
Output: h=10 m=19 s=45
